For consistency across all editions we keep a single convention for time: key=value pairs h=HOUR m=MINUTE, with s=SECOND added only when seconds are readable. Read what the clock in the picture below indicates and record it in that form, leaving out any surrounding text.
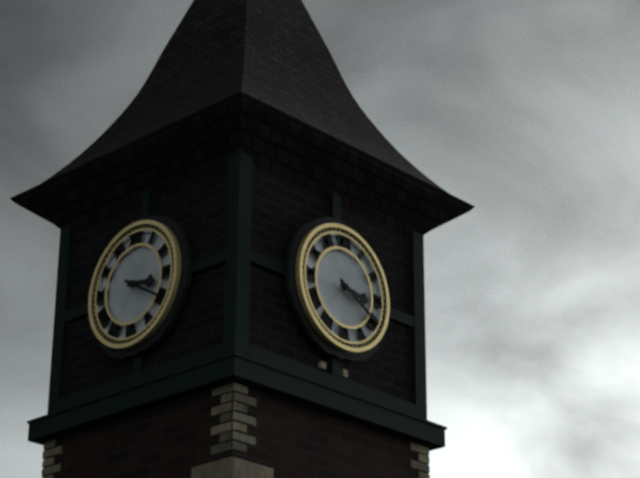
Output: h=3 m=20
